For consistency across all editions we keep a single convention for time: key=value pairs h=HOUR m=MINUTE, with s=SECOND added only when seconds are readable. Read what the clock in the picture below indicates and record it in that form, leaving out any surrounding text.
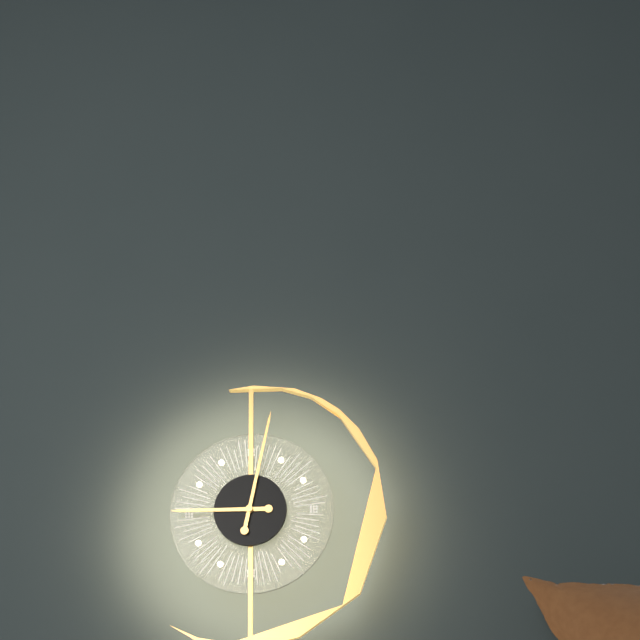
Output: h=9 m=2
